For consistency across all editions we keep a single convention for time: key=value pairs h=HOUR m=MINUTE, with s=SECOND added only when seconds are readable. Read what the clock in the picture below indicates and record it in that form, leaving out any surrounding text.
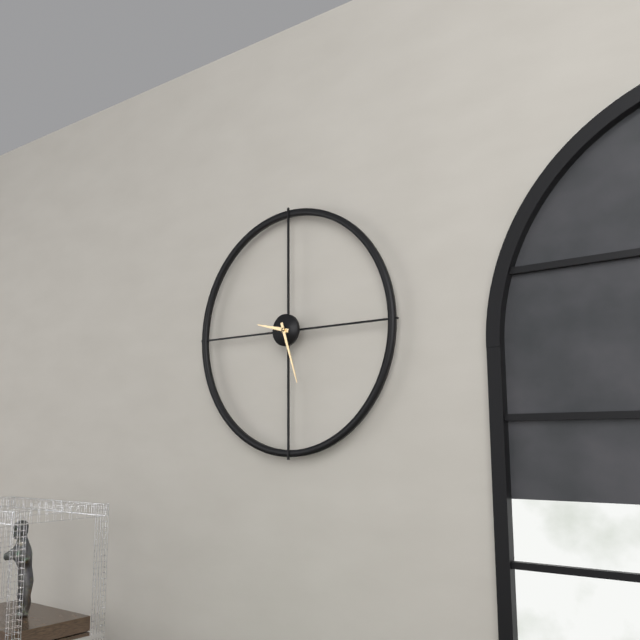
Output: h=9 m=27
